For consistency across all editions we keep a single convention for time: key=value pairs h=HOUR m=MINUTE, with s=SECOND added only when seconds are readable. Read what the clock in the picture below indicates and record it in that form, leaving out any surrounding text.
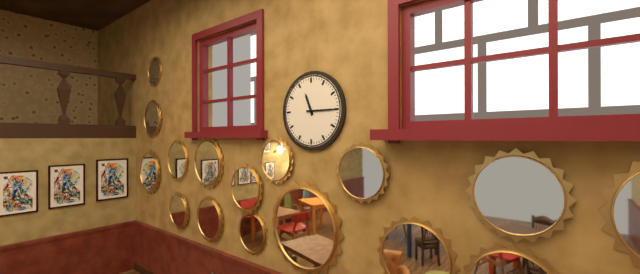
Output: h=11 m=15
